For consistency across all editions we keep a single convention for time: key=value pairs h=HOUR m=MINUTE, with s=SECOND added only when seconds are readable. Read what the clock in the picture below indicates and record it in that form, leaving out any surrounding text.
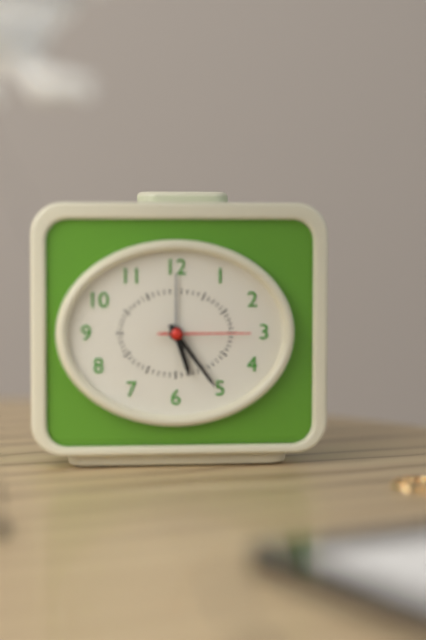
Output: h=5 m=24 s=15
